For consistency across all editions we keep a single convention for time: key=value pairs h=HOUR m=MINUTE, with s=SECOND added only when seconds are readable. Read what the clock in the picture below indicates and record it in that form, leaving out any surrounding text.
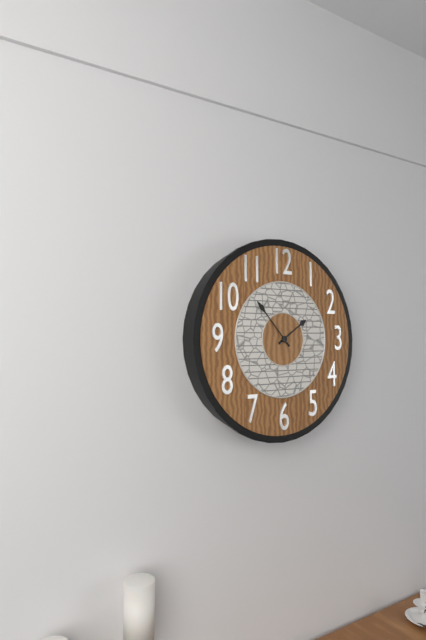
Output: h=1 m=53
